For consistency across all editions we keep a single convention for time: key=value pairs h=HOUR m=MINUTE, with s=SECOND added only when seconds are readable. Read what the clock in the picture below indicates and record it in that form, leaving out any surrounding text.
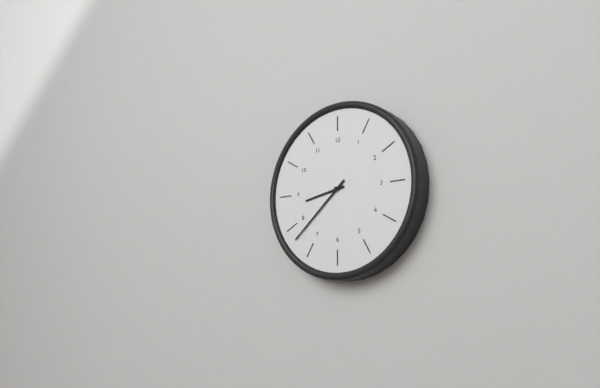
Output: h=8 m=38
